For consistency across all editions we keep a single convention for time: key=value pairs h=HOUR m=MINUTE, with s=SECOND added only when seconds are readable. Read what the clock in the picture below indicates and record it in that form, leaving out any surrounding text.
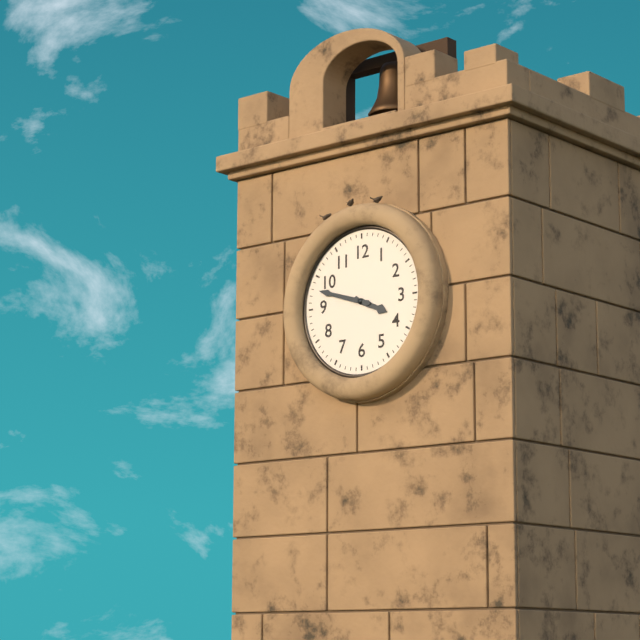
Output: h=3 m=48
